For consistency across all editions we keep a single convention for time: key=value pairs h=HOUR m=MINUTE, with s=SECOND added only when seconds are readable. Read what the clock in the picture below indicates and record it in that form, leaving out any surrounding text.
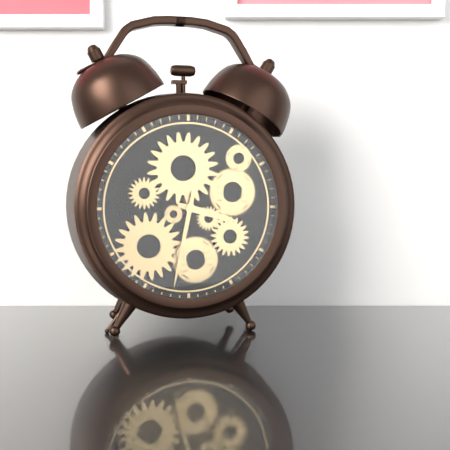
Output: h=3 m=32
